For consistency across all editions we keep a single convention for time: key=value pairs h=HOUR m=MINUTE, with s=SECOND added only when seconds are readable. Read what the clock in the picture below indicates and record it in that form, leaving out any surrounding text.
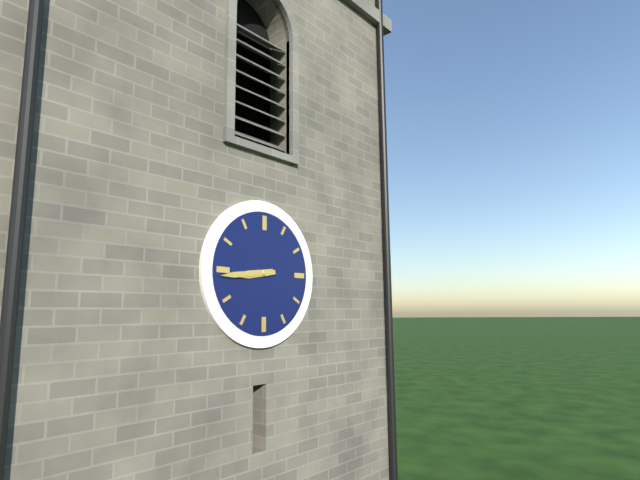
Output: h=8 m=44
